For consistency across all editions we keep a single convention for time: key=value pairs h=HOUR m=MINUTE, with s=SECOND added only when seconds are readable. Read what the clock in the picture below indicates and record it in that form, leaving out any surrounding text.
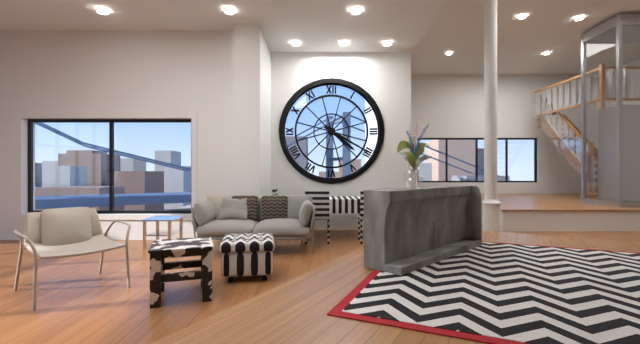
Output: h=4 m=20
